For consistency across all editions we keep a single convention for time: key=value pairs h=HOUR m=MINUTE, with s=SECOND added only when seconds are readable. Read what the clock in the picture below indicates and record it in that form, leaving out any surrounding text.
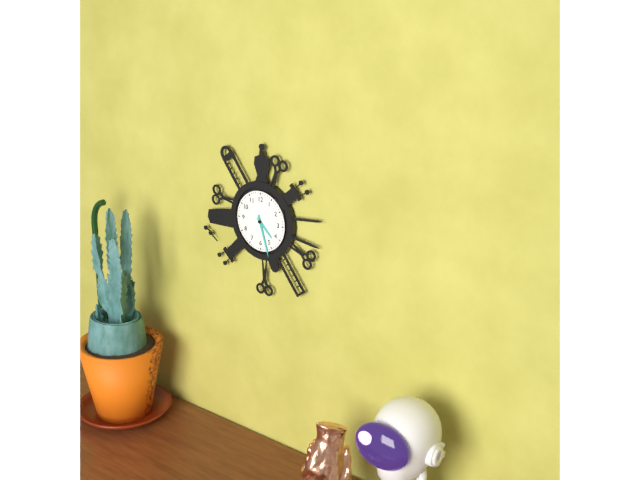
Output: h=4 m=27
